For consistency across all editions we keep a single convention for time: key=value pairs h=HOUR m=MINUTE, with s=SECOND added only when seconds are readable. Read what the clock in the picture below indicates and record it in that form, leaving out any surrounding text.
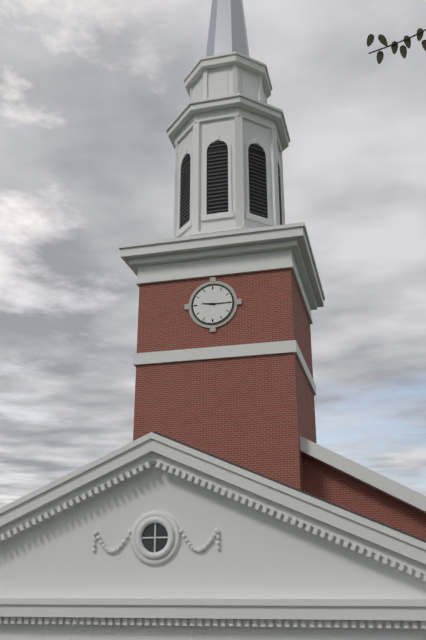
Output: h=9 m=15
